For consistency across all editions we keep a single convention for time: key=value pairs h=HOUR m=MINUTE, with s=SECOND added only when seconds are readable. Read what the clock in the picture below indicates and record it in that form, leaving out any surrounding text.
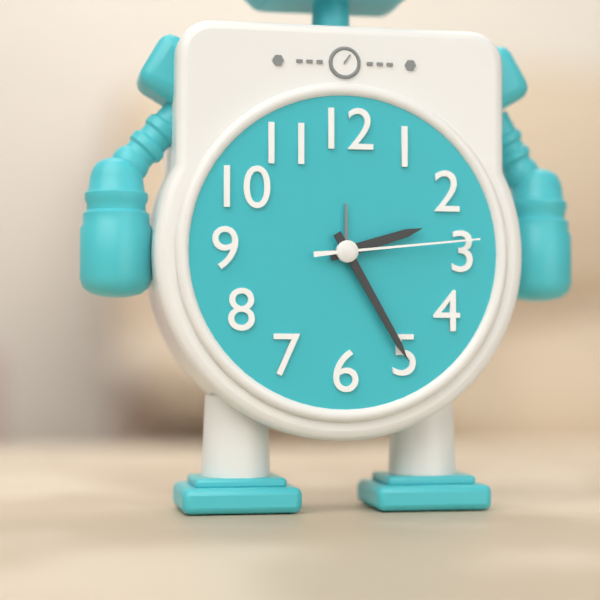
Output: h=2 m=25 s=14
